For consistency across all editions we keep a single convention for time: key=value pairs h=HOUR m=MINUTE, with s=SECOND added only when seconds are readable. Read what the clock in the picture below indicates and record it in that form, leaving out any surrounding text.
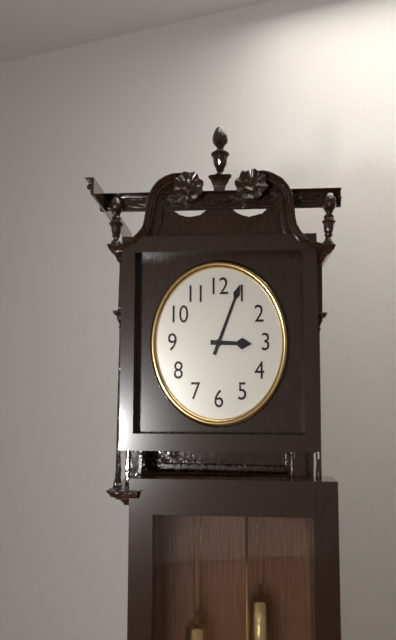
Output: h=3 m=4
